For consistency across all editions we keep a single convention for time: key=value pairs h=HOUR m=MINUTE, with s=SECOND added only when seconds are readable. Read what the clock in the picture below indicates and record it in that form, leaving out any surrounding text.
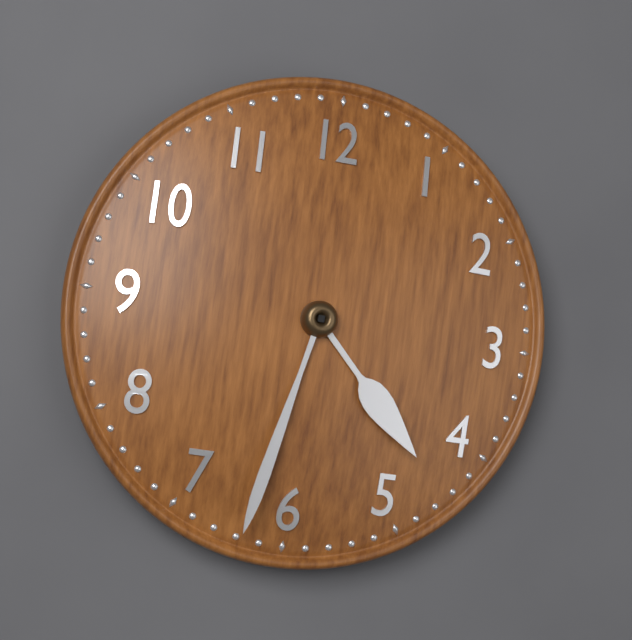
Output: h=4 m=32
